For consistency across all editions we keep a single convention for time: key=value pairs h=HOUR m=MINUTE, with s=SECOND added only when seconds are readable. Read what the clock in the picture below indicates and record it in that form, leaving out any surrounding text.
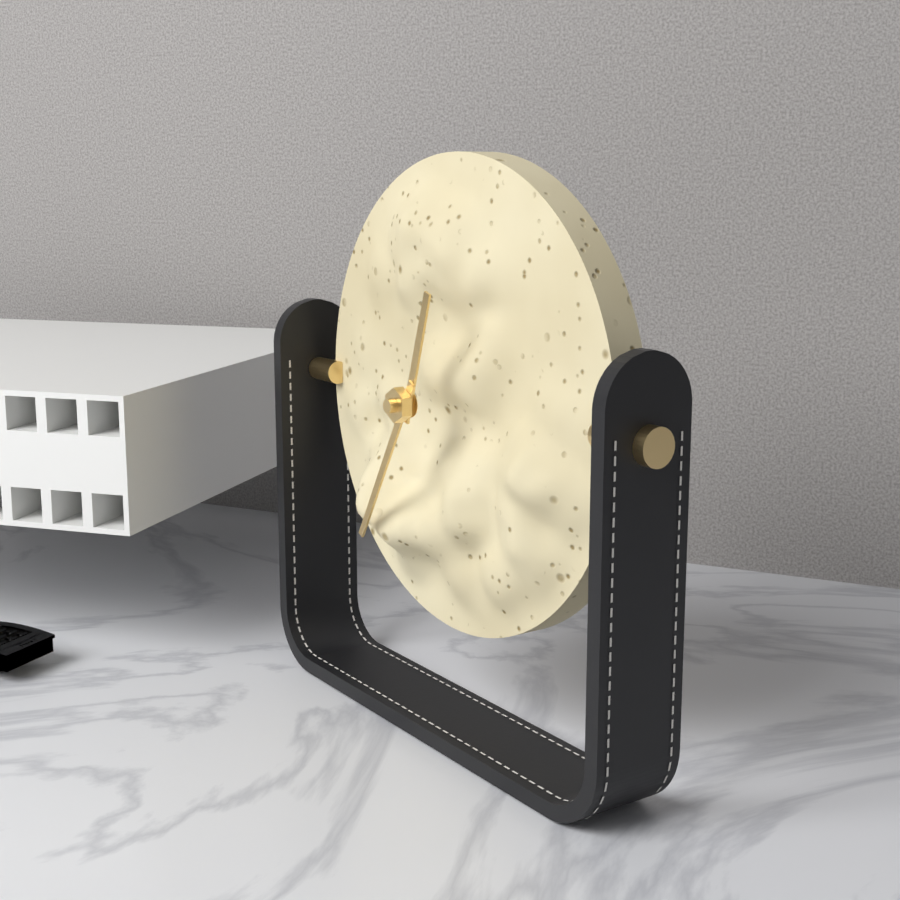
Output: h=12 m=35
